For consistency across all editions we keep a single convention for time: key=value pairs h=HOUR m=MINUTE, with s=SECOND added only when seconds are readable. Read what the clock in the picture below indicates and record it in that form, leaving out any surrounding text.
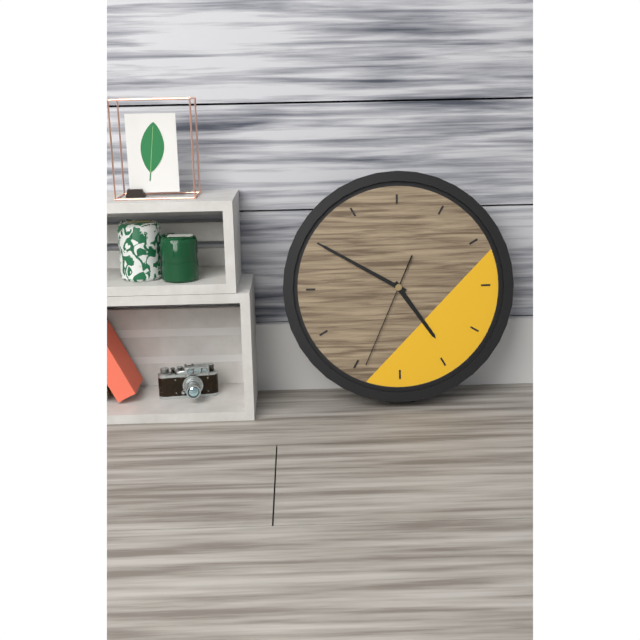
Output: h=4 m=50 s=34
